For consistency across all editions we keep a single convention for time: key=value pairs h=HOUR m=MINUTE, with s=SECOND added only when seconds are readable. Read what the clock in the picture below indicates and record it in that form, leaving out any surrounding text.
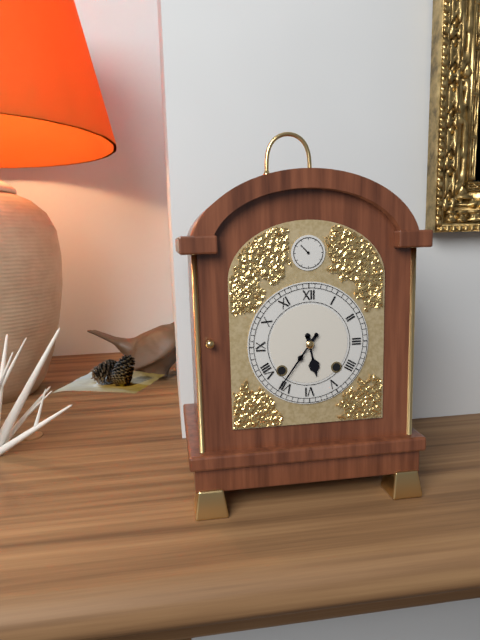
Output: h=5 m=36
